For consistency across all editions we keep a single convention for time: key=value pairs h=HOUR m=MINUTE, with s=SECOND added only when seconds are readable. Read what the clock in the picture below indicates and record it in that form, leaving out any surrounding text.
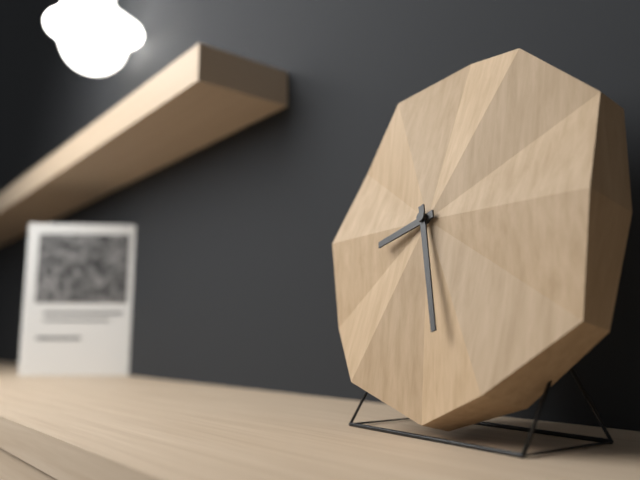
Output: h=8 m=27
